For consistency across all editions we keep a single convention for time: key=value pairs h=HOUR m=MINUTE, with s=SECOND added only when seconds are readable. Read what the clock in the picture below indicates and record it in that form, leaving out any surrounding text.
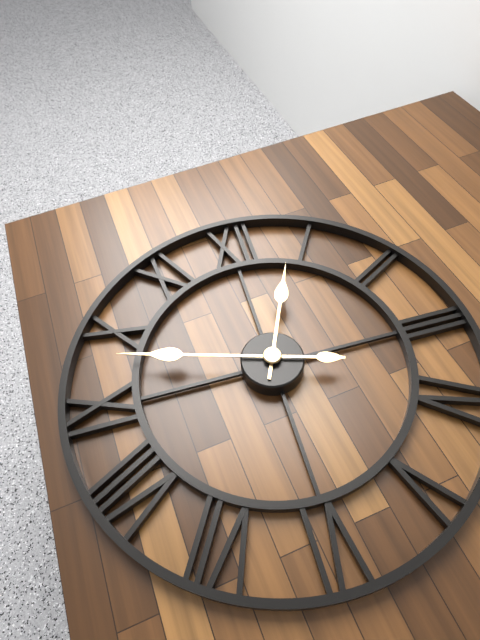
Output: h=12 m=48
